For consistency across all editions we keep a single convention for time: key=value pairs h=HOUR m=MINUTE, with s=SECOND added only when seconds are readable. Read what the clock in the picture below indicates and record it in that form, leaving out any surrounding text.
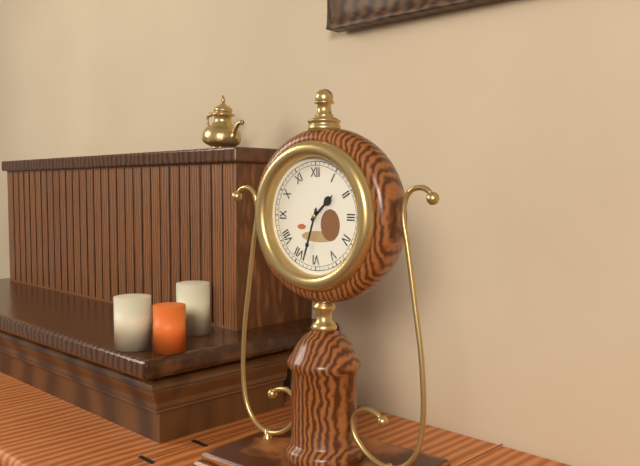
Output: h=1 m=33
